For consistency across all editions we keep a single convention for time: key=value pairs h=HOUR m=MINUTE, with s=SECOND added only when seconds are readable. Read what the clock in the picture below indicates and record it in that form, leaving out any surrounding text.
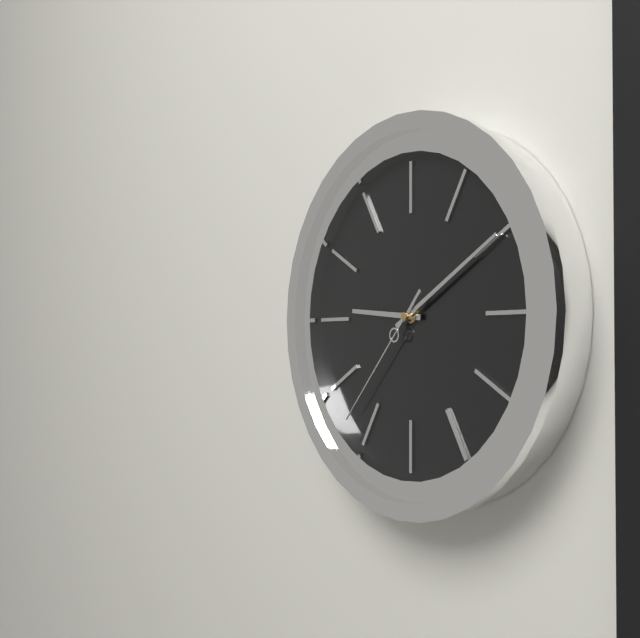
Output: h=9 m=10 s=37
